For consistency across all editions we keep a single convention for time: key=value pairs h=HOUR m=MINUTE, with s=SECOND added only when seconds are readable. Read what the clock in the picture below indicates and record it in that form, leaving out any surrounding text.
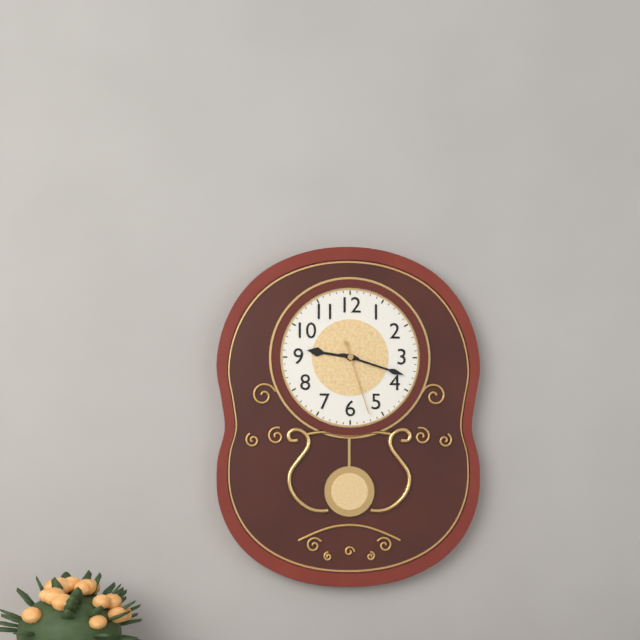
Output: h=9 m=18 s=27
